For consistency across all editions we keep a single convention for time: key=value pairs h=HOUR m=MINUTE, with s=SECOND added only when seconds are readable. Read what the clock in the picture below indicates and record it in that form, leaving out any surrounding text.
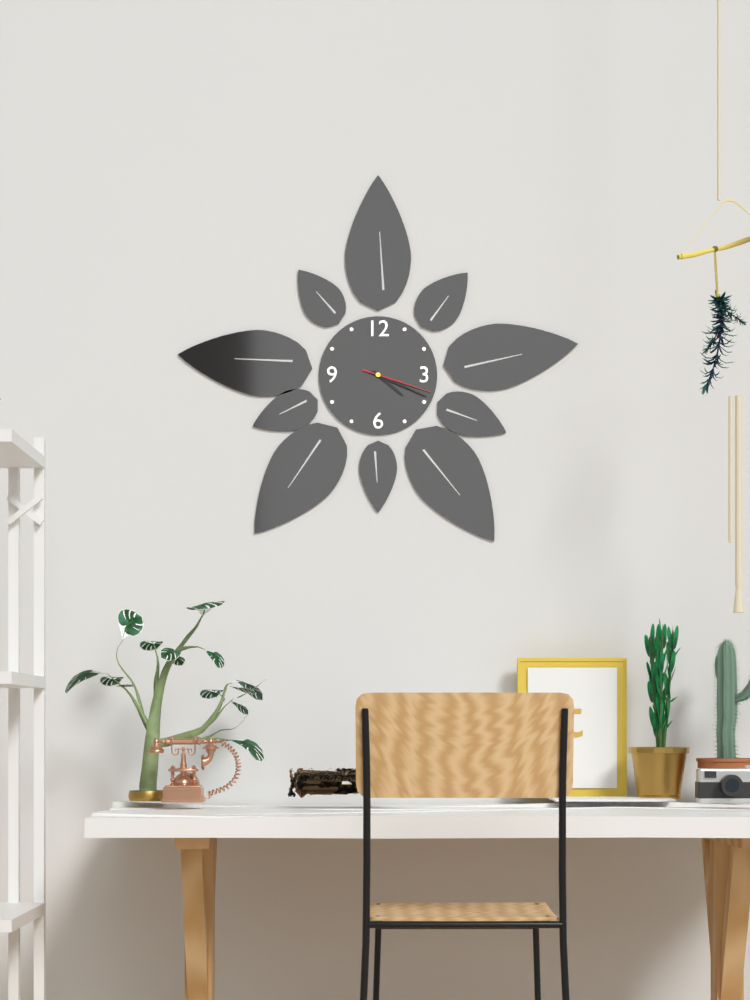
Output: h=4 m=19 s=18
